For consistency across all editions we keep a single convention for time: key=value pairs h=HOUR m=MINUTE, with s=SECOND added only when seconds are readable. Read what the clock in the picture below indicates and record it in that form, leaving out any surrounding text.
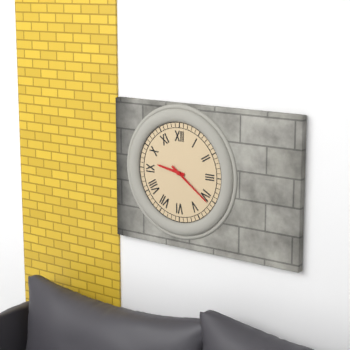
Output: h=9 m=21
